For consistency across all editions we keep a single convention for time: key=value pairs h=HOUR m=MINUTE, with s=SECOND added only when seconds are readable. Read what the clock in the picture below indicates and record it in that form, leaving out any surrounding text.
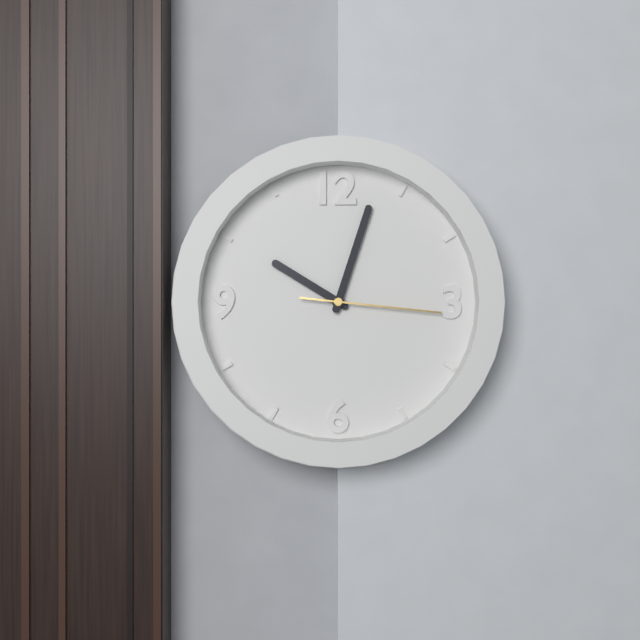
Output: h=10 m=3 s=16
